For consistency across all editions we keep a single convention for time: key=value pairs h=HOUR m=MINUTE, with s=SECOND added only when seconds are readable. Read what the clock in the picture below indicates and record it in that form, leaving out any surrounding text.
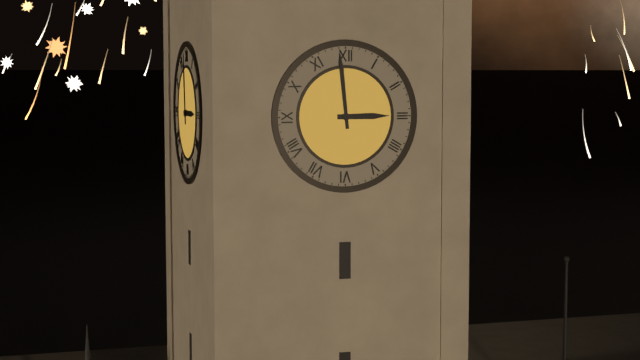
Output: h=2 m=59
